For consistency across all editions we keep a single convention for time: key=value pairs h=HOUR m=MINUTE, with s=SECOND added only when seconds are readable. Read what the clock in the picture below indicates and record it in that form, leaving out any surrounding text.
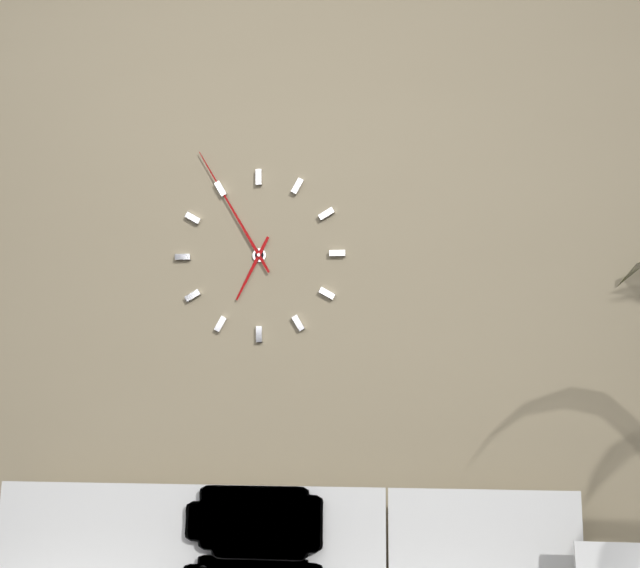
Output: h=6 m=55
